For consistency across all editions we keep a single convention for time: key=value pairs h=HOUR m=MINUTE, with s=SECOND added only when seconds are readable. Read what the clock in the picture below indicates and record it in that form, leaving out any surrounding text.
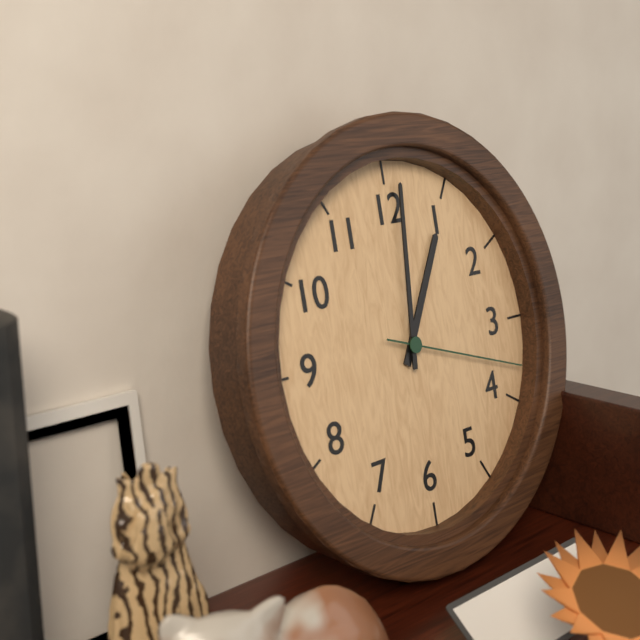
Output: h=1 m=1 s=18
